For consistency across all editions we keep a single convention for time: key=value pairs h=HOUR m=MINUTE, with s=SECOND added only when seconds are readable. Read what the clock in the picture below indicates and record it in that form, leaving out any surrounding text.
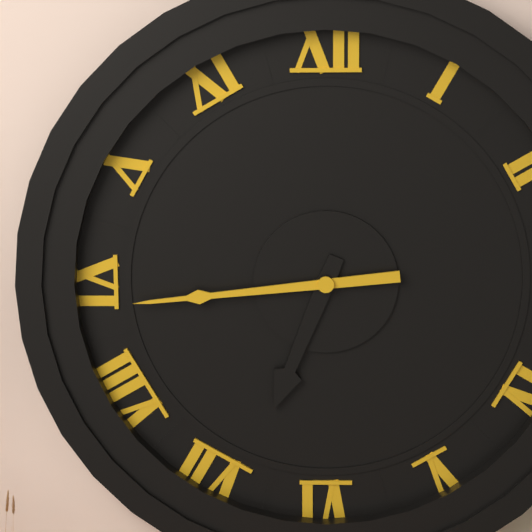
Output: h=6 m=44
